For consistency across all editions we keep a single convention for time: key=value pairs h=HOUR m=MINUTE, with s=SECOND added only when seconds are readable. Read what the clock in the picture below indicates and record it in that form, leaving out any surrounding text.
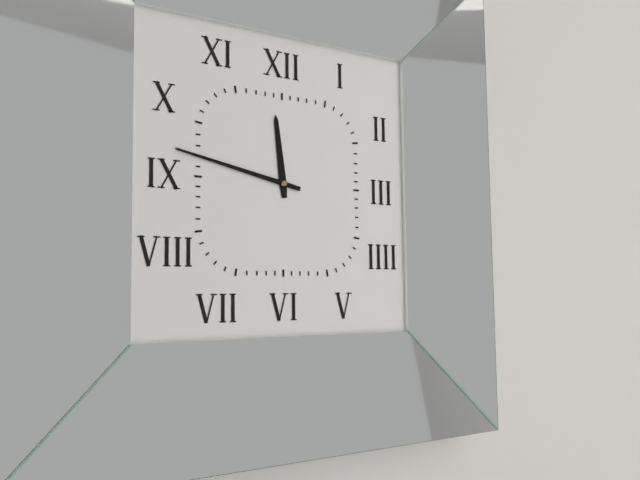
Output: h=11 m=47
